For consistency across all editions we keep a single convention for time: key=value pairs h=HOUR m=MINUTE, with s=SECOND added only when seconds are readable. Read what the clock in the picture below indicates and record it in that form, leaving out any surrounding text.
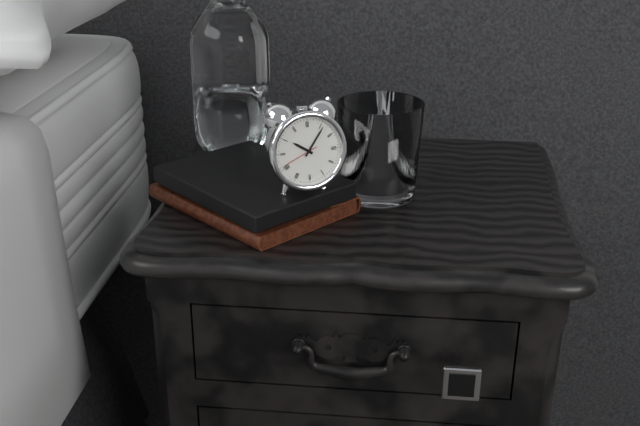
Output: h=10 m=6
